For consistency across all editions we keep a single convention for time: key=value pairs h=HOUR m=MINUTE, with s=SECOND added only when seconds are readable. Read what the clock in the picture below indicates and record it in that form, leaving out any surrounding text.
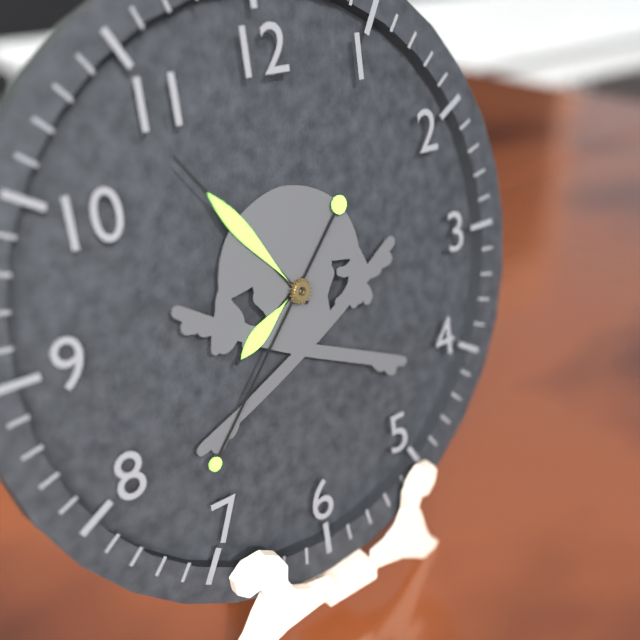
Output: h=7 m=54 s=37
